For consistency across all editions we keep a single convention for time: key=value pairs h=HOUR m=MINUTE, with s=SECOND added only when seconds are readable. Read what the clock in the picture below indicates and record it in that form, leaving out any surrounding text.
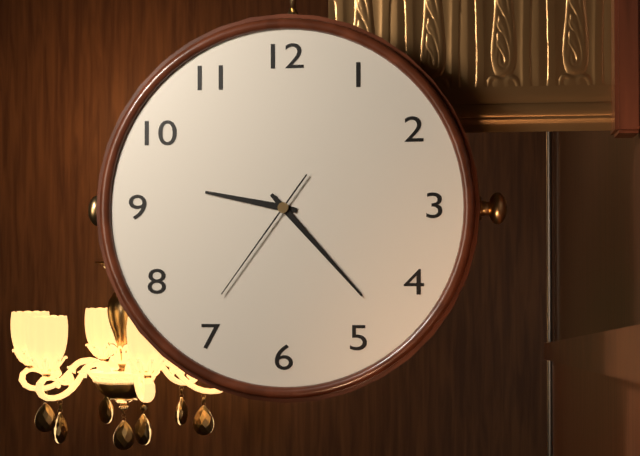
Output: h=9 m=23 s=36
